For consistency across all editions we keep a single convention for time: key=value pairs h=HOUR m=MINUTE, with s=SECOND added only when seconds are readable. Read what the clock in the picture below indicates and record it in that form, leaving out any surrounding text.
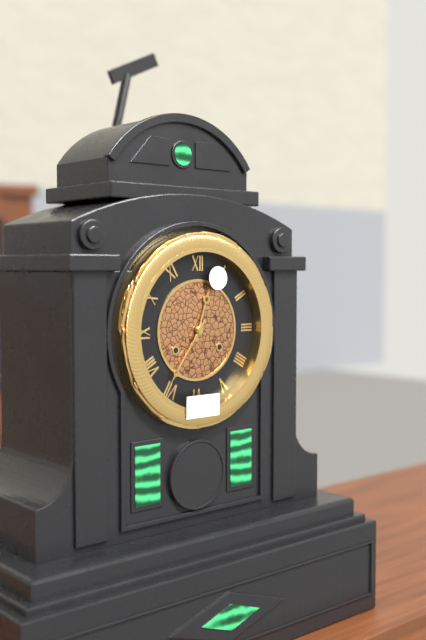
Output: h=12 m=36
